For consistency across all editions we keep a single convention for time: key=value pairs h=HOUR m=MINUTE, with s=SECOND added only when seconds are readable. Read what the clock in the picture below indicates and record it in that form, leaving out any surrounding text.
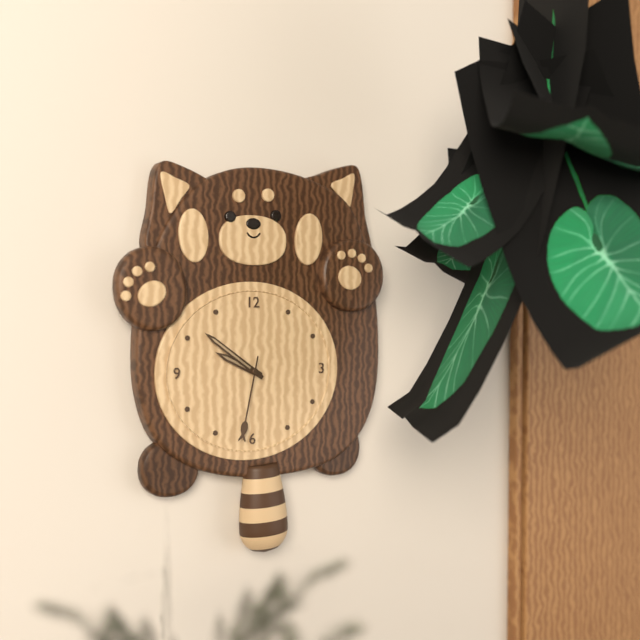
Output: h=9 m=51 s=32
